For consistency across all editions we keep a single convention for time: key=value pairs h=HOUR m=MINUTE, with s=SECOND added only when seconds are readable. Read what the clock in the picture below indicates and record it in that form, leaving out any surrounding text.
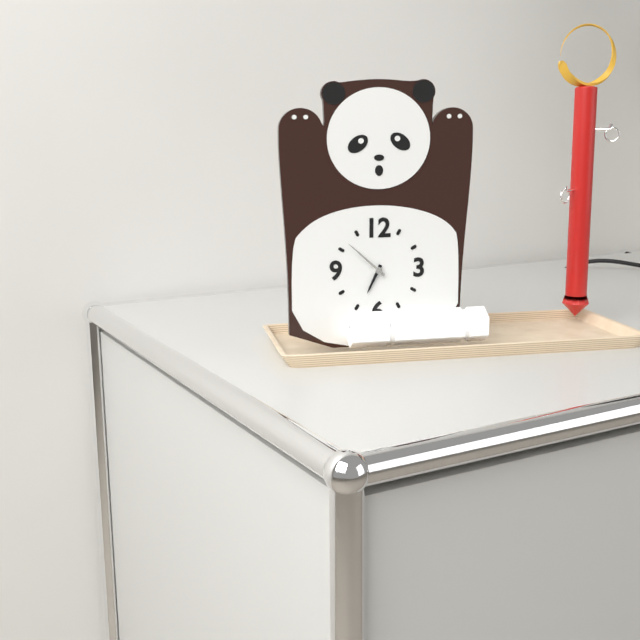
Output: h=6 m=52
